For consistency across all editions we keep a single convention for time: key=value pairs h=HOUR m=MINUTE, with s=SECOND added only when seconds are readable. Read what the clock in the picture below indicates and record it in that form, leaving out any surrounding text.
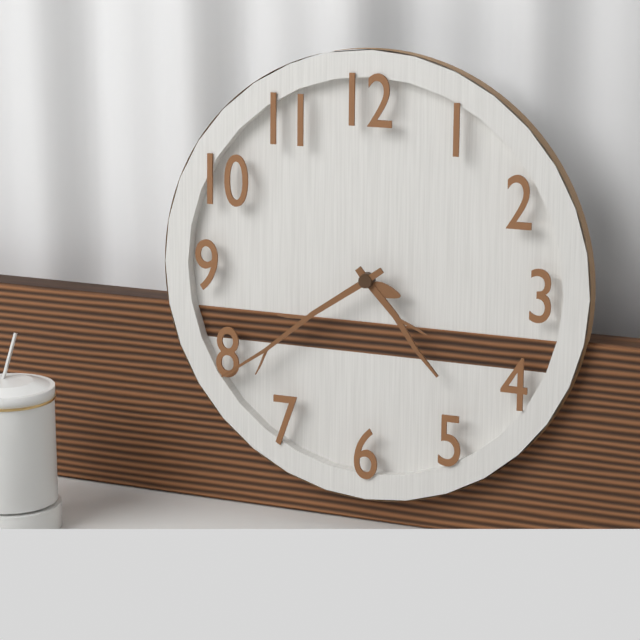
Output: h=4 m=39
